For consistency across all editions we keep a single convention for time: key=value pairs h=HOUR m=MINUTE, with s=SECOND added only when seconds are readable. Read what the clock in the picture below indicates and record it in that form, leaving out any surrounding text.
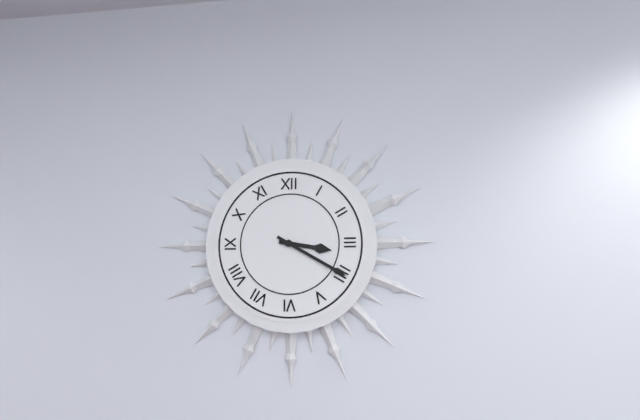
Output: h=3 m=20
